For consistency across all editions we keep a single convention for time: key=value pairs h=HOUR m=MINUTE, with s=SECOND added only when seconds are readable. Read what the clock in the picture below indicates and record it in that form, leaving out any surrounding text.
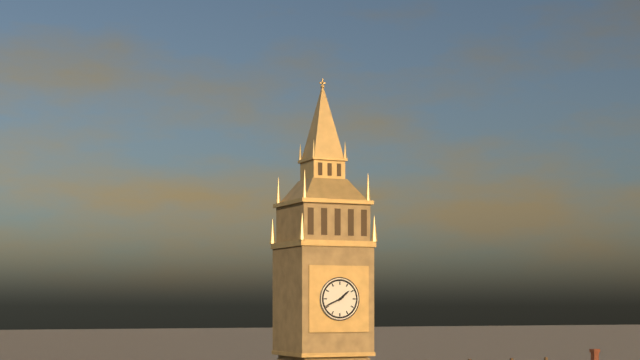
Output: h=1 m=41
